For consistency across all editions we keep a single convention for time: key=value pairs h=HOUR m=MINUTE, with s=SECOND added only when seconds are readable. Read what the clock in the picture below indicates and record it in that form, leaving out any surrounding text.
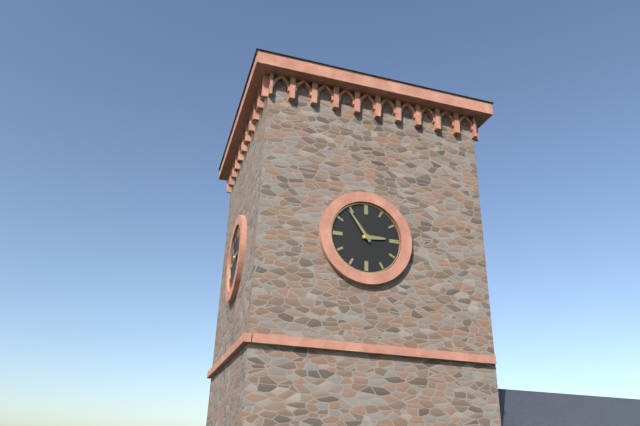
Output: h=2 m=54
